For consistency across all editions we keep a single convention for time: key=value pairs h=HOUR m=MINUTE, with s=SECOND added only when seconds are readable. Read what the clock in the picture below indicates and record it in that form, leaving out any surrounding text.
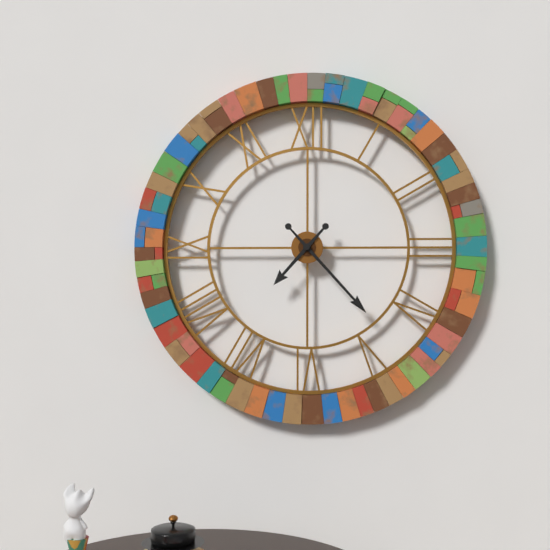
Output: h=7 m=23
